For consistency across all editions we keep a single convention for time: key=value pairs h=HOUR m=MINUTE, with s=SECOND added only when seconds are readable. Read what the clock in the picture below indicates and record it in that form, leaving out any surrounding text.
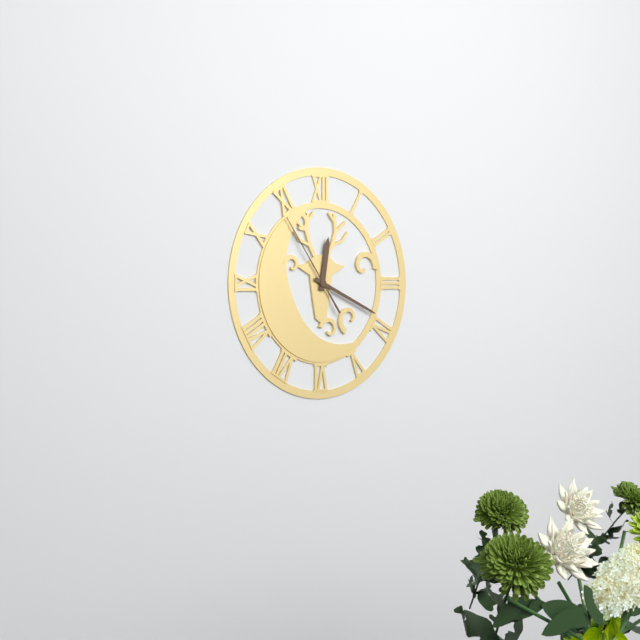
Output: h=12 m=19 s=54
